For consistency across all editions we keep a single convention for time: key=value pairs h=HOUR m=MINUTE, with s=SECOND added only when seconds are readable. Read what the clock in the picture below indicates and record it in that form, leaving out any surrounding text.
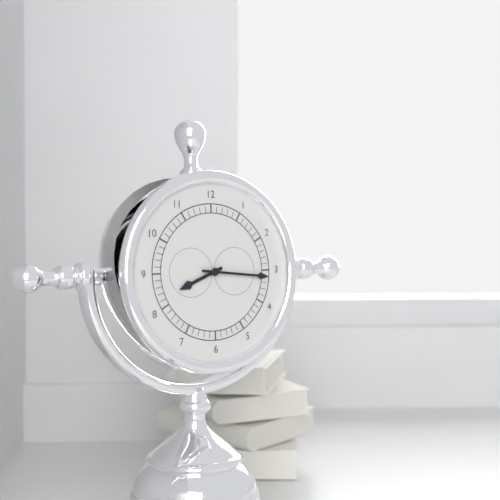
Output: h=8 m=16
